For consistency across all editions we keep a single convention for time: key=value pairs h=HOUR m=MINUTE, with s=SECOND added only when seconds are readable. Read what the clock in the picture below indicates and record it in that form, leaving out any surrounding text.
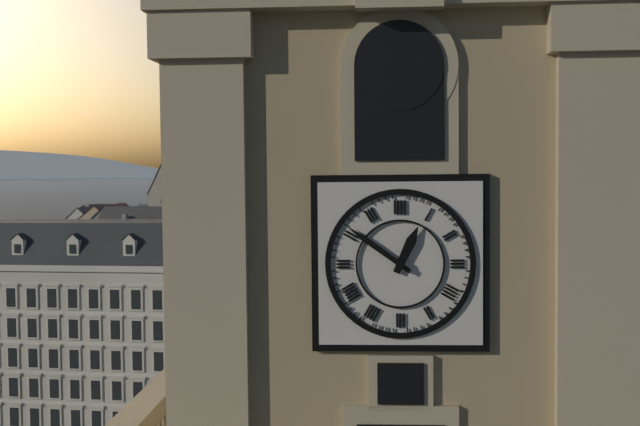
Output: h=12 m=51
